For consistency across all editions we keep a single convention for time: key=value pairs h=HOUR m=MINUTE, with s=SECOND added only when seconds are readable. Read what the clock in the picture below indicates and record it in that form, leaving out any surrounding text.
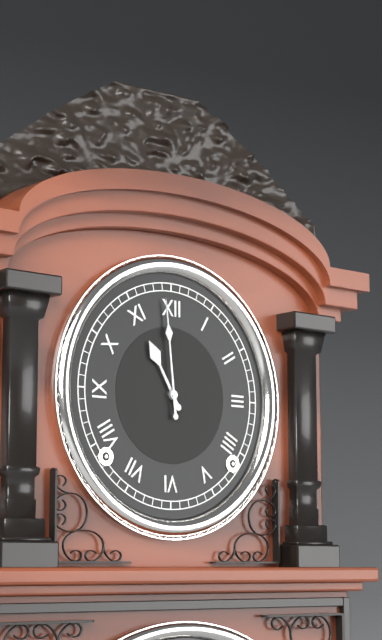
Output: h=10 m=59
